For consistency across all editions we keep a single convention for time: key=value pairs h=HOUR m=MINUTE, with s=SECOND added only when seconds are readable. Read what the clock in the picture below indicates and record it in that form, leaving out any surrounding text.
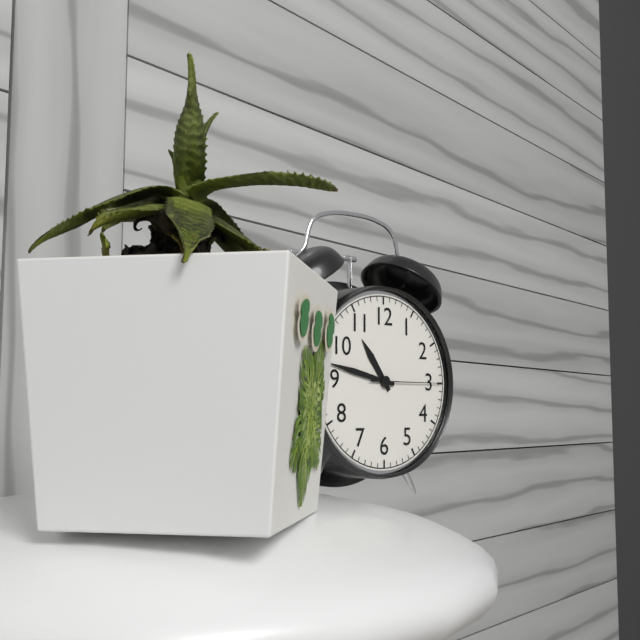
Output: h=10 m=47 s=15
